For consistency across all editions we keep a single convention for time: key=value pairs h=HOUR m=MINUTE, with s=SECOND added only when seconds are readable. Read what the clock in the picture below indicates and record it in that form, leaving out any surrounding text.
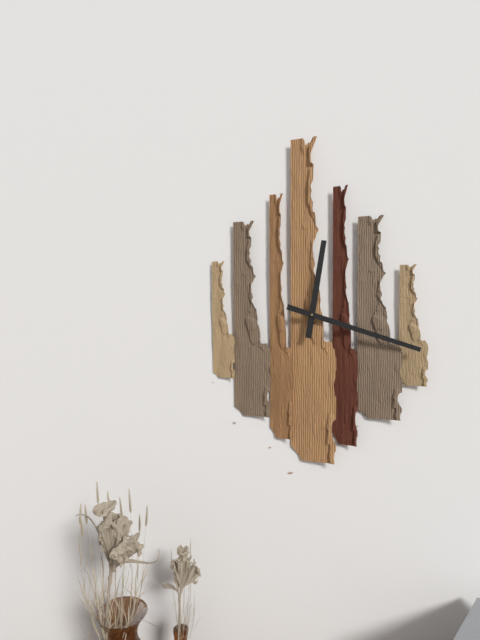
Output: h=12 m=18
